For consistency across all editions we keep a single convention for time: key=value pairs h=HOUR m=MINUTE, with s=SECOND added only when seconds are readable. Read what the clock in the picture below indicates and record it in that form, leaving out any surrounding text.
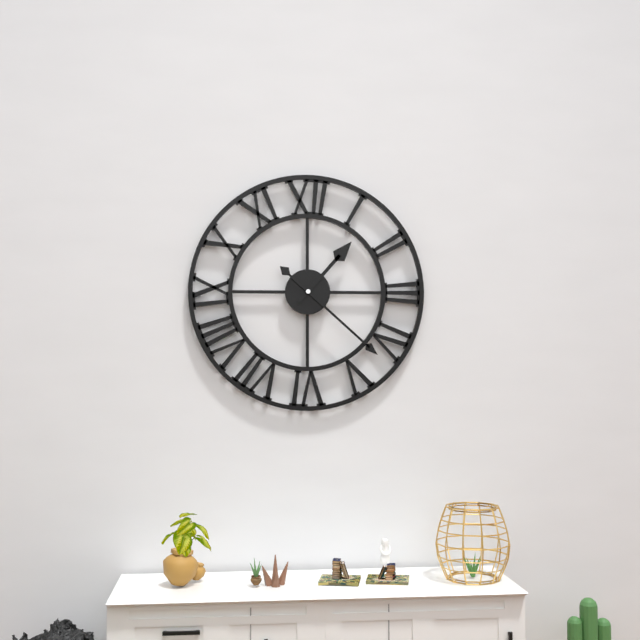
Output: h=1 m=22
